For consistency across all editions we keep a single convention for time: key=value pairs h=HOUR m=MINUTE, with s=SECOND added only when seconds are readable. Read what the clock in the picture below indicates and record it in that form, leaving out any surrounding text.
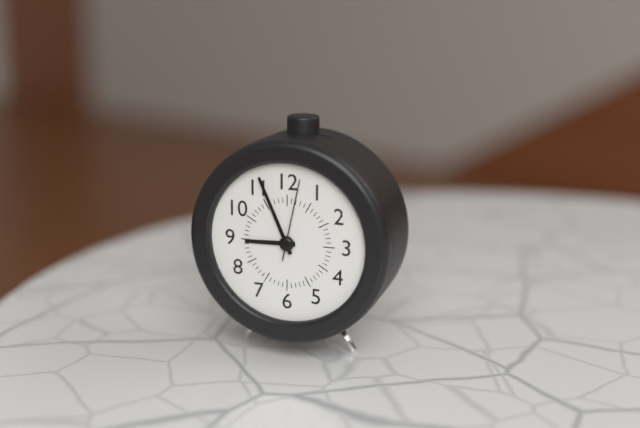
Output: h=8 m=56 s=2
